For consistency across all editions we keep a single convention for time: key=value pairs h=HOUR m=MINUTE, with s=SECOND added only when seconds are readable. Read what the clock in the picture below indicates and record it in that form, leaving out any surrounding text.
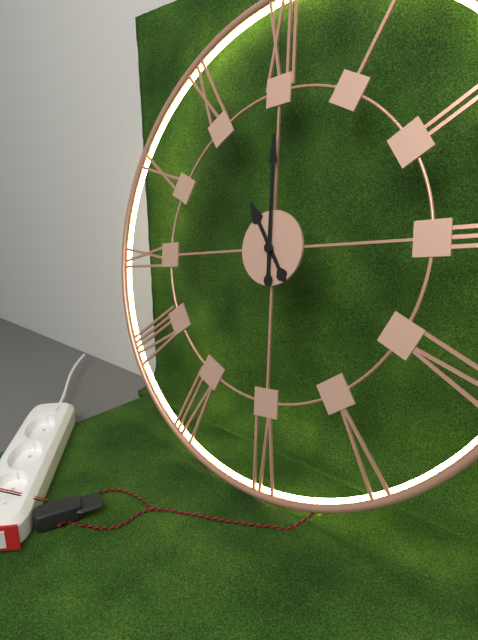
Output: h=11 m=0
